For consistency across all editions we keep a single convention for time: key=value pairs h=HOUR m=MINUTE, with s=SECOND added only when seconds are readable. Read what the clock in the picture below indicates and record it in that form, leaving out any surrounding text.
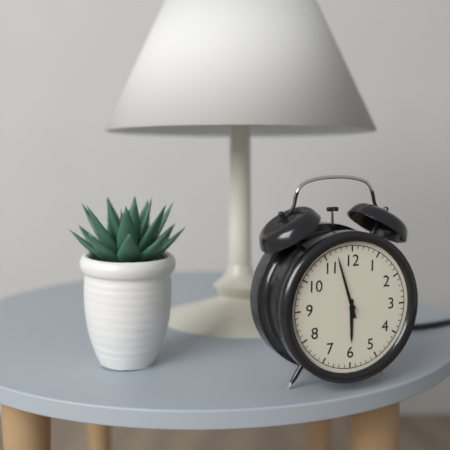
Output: h=5 m=57
